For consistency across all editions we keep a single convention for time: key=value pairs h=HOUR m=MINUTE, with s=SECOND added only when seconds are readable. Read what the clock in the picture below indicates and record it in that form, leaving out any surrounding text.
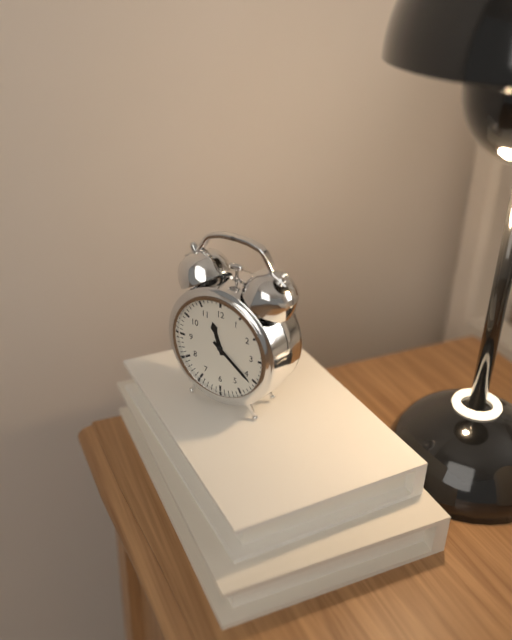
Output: h=11 m=21
